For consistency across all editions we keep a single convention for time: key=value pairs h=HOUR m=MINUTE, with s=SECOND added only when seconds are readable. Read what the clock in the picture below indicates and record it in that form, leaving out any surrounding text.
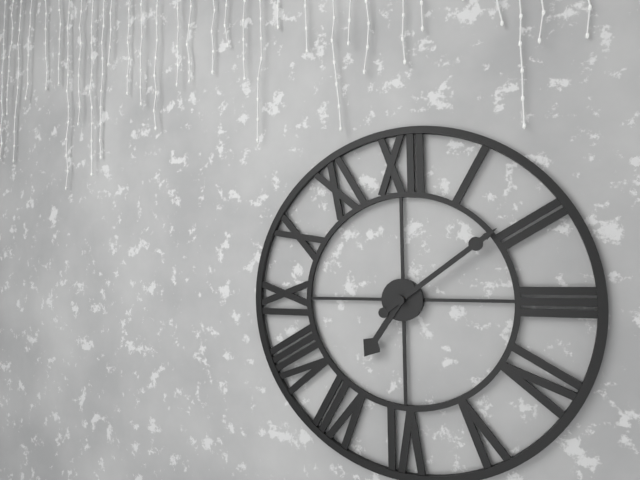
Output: h=7 m=9
